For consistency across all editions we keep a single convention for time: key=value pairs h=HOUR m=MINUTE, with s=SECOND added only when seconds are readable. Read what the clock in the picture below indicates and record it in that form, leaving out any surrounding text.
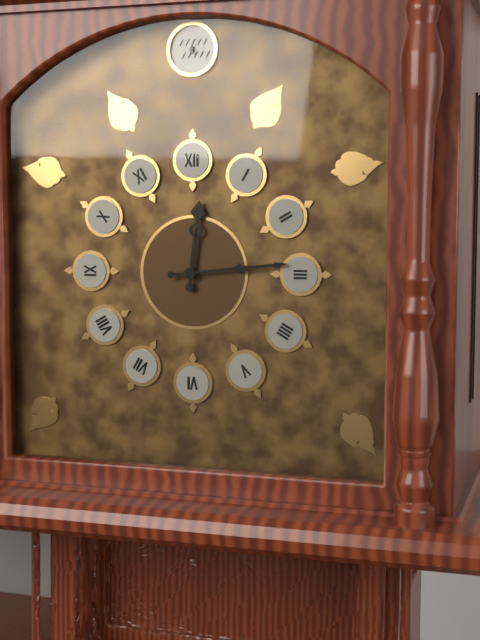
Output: h=12 m=14
